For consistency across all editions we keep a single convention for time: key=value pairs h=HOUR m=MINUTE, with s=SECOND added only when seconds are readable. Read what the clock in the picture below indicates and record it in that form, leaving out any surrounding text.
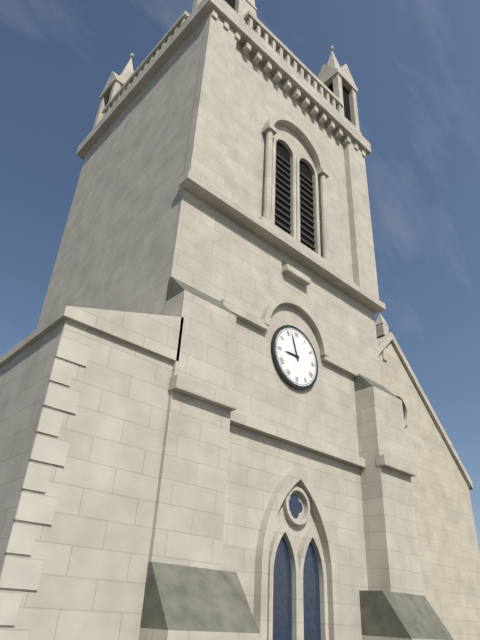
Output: h=8 m=57
